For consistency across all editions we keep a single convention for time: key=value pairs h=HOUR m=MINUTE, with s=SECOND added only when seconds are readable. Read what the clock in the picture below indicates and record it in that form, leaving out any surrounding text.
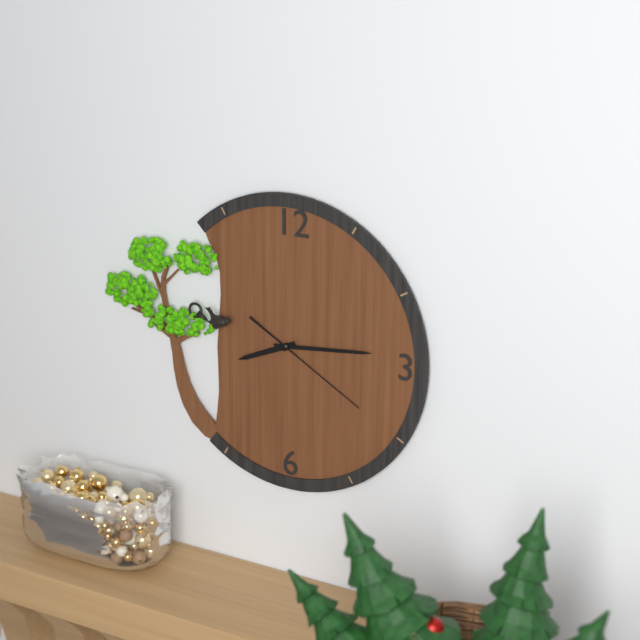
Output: h=8 m=14 s=20
